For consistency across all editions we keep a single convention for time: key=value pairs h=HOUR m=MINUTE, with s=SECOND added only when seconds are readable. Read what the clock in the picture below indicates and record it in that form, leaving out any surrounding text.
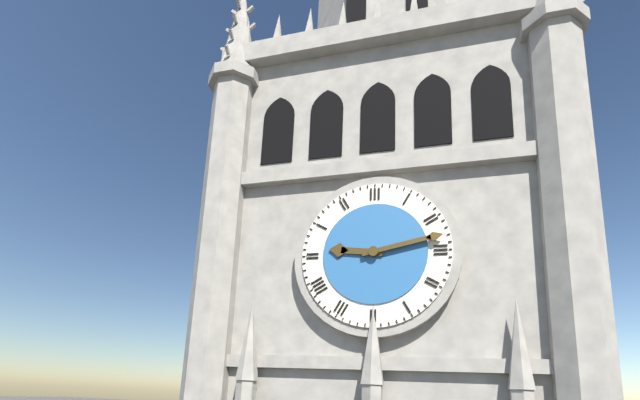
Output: h=9 m=13
